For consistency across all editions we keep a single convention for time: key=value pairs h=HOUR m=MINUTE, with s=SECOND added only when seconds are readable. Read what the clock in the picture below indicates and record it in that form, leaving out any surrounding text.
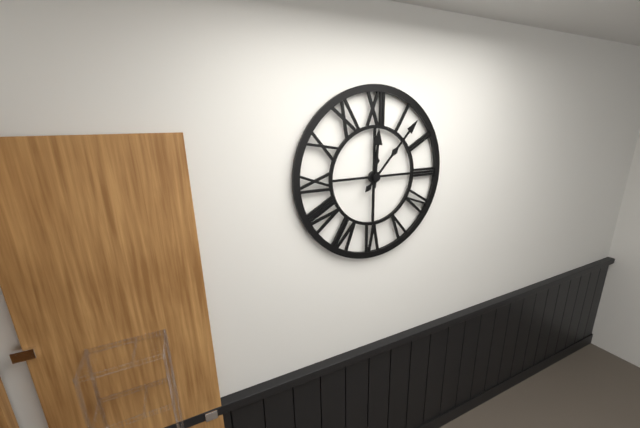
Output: h=12 m=7
